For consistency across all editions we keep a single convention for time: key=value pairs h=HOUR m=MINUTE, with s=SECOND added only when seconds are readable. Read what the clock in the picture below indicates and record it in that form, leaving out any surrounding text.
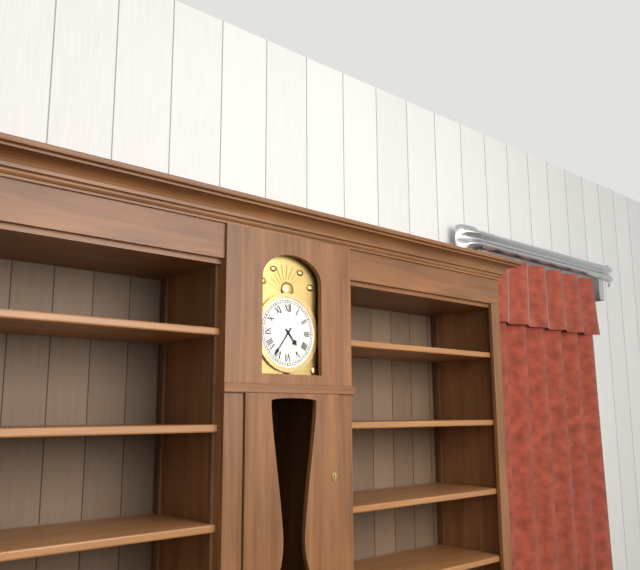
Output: h=4 m=36
